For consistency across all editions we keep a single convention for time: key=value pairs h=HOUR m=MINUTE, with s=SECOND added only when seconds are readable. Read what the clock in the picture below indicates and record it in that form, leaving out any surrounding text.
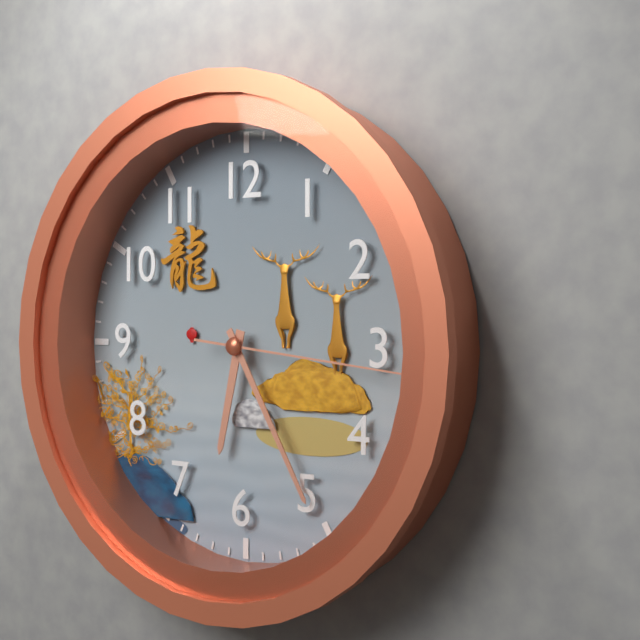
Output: h=6 m=25 s=16
